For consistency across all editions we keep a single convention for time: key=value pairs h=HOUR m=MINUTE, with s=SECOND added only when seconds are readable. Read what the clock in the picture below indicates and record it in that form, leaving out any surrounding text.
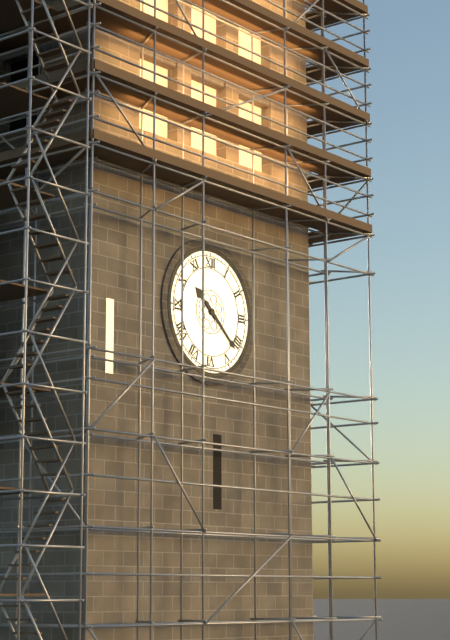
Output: h=10 m=22
